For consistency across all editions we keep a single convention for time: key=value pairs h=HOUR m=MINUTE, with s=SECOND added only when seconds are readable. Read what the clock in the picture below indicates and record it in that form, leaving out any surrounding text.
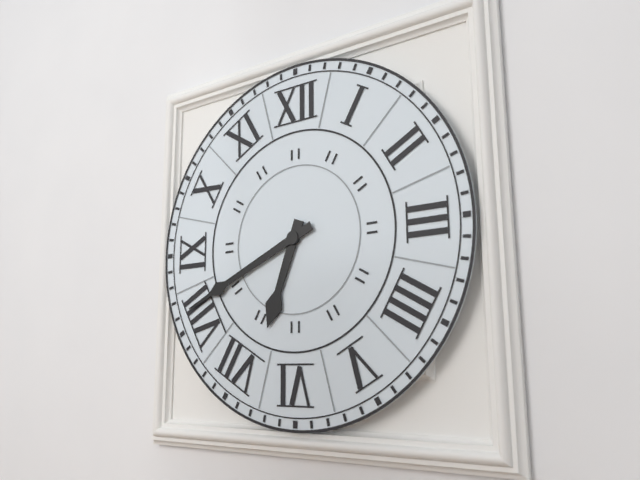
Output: h=6 m=41
